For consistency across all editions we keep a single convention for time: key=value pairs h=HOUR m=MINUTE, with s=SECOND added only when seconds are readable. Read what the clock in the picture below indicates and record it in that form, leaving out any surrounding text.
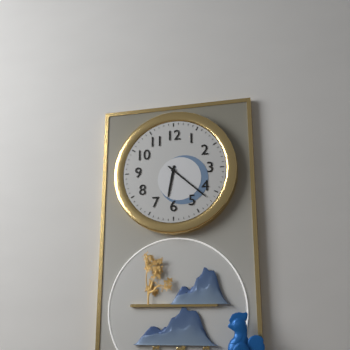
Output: h=6 m=22
